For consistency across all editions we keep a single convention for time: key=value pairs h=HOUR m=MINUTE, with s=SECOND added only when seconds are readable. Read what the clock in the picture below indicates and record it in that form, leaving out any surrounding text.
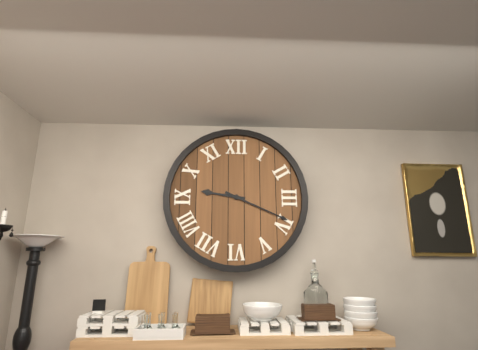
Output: h=9 m=19
